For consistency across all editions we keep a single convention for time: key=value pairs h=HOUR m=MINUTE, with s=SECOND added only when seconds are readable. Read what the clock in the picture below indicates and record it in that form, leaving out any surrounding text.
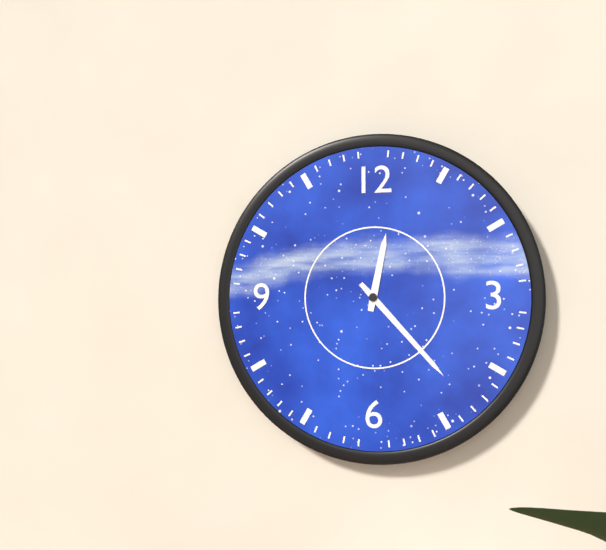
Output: h=12 m=23
